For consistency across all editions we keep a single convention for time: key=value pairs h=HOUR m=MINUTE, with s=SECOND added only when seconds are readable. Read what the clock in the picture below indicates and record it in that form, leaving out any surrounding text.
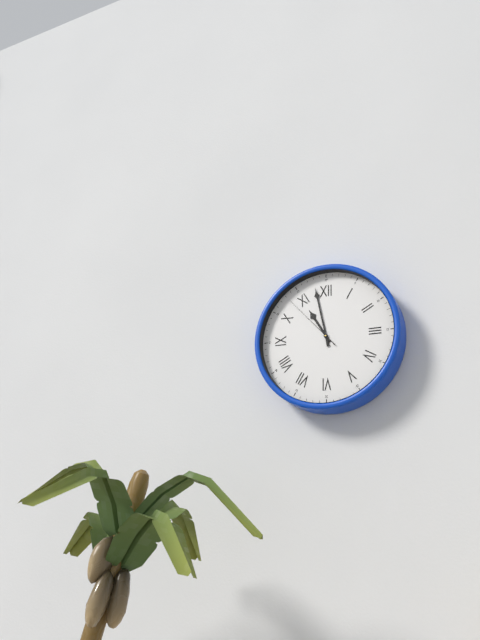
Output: h=10 m=58 s=53
